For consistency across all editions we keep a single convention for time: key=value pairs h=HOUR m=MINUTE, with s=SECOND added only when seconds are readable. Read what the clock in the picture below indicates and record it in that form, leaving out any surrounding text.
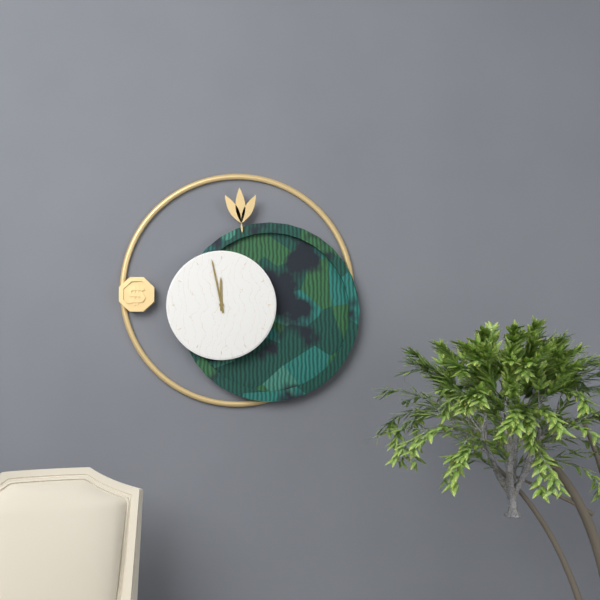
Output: h=11 m=58
